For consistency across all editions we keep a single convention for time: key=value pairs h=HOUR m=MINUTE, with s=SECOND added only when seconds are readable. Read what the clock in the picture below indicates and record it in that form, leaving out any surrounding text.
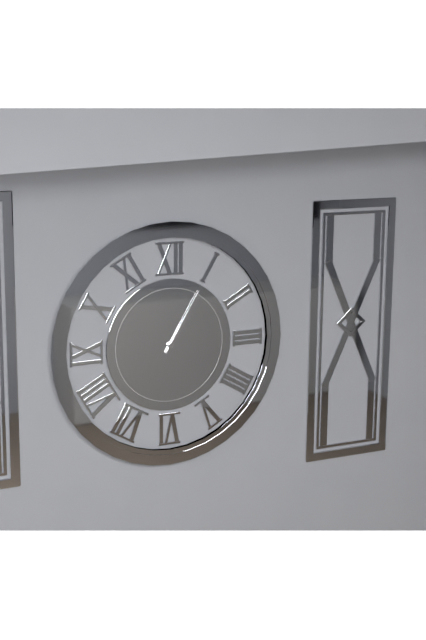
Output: h=1 m=5
